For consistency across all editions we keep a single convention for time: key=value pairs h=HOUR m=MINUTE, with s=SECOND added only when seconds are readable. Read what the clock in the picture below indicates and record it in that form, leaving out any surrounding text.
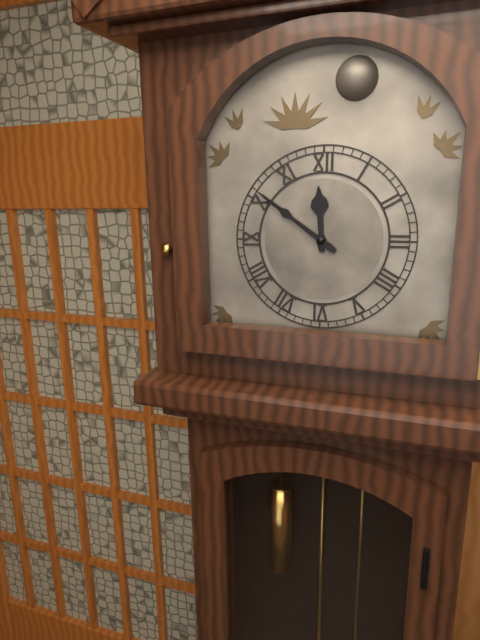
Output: h=11 m=51
